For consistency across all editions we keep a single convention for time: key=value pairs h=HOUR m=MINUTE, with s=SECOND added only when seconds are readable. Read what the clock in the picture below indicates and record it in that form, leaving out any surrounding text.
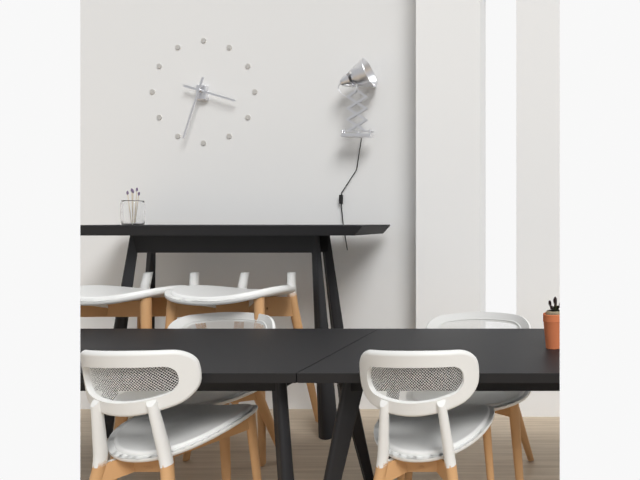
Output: h=3 m=33
